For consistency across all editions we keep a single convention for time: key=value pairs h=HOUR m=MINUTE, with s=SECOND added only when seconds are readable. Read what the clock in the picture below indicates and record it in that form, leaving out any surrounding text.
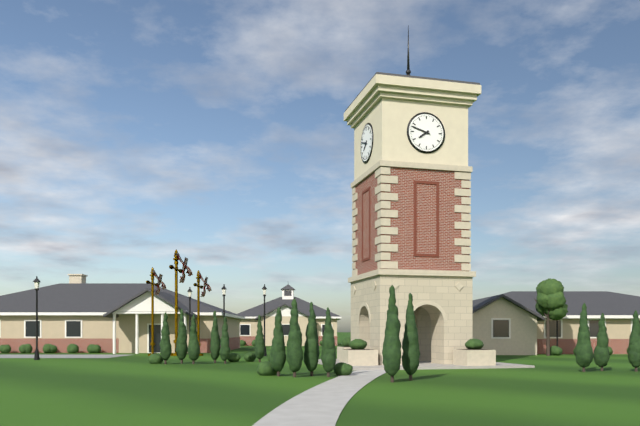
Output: h=7 m=48
